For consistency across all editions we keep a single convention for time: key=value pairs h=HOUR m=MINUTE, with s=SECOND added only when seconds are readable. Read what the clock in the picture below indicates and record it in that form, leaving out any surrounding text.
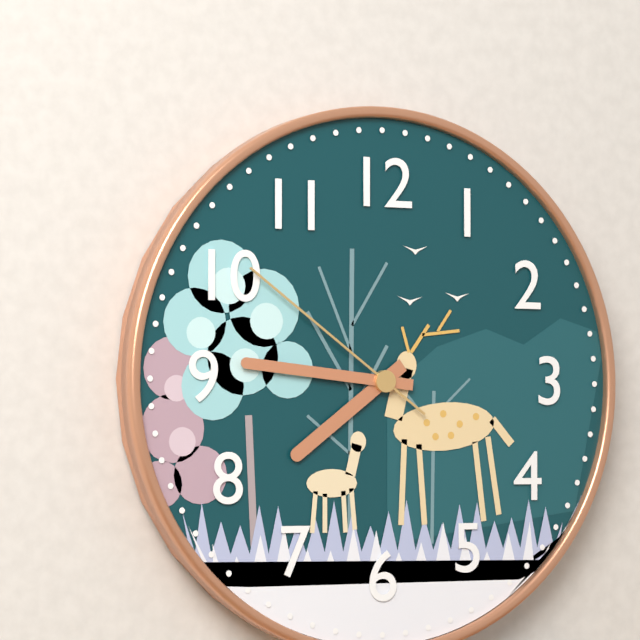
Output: h=7 m=46 s=51
